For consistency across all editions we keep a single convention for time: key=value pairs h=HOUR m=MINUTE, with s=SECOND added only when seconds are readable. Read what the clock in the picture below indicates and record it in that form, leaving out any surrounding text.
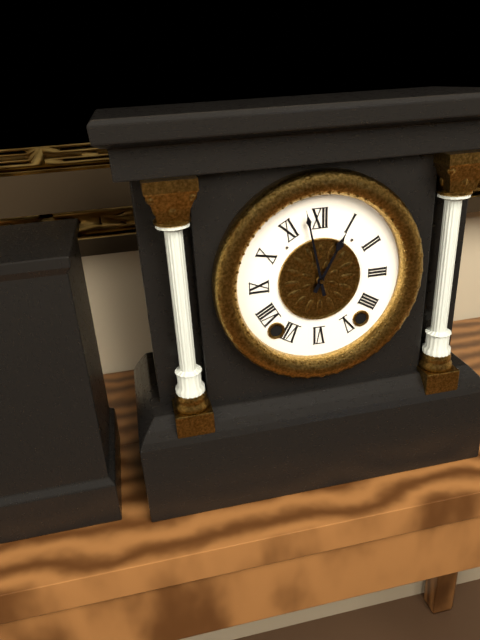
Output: h=12 m=58
